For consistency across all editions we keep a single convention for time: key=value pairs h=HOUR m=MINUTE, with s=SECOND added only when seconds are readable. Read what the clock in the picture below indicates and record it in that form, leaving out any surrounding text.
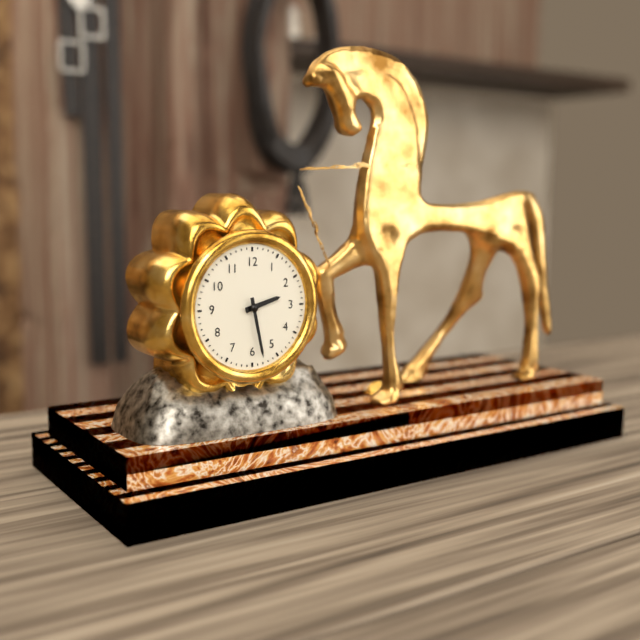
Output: h=2 m=28
